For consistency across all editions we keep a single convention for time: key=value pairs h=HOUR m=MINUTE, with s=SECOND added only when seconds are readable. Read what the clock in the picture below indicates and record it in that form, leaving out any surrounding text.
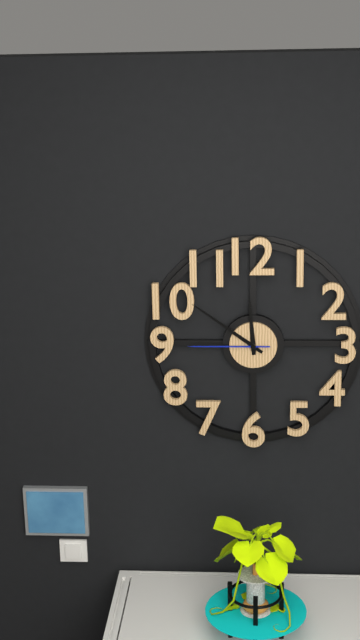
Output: h=11 m=51 s=45
